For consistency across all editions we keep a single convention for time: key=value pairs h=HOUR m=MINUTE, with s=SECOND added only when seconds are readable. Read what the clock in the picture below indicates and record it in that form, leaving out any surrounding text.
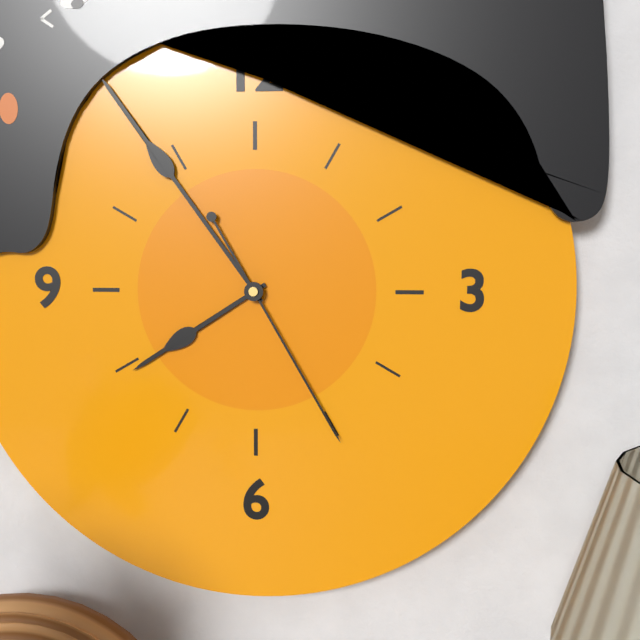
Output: h=7 m=54 s=25
